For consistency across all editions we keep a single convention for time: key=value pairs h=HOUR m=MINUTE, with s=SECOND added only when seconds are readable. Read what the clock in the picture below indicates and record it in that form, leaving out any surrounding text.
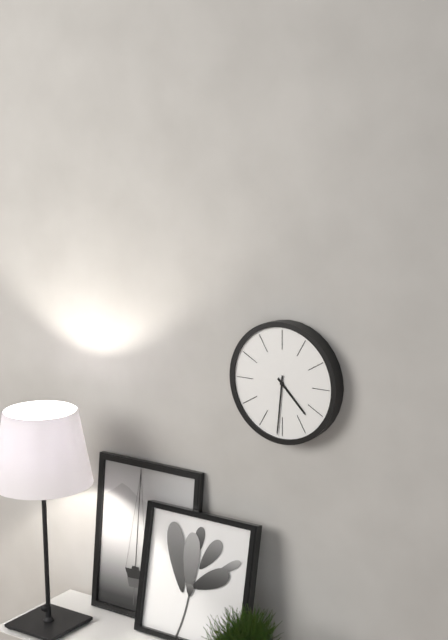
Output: h=4 m=31
